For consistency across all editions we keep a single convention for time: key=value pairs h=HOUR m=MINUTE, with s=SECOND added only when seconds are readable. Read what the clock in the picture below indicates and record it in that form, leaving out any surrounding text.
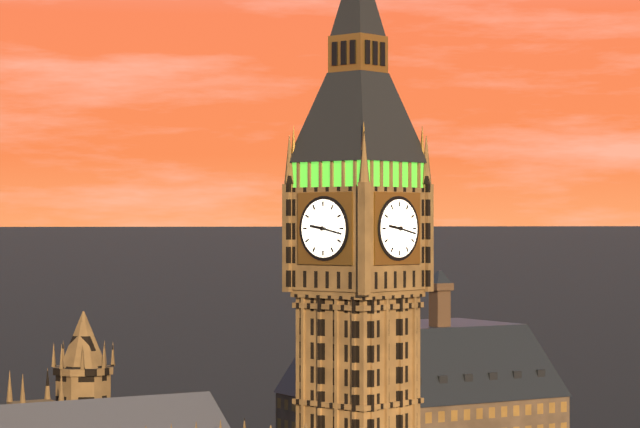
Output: h=9 m=17
